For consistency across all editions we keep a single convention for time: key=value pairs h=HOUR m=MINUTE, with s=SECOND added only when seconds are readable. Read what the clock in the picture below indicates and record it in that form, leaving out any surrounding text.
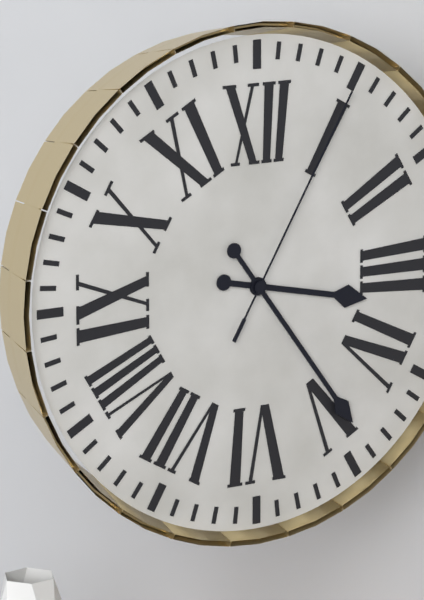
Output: h=3 m=24 s=5
